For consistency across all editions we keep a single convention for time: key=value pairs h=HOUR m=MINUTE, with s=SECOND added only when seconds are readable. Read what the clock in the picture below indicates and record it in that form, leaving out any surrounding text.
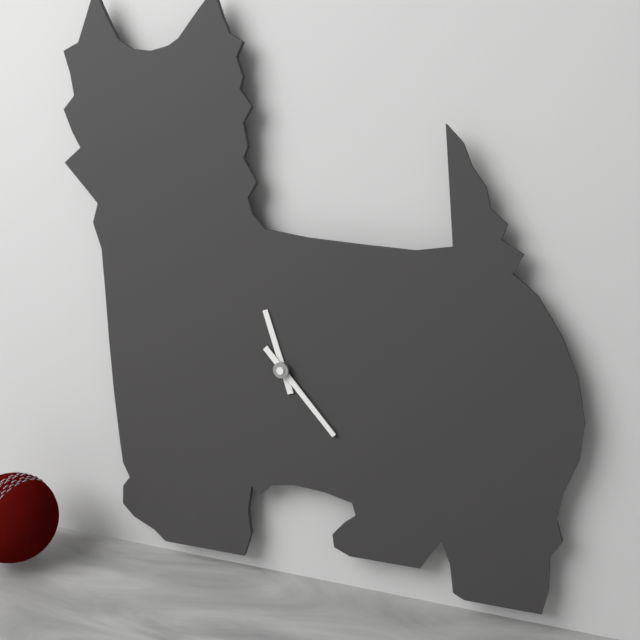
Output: h=11 m=23
